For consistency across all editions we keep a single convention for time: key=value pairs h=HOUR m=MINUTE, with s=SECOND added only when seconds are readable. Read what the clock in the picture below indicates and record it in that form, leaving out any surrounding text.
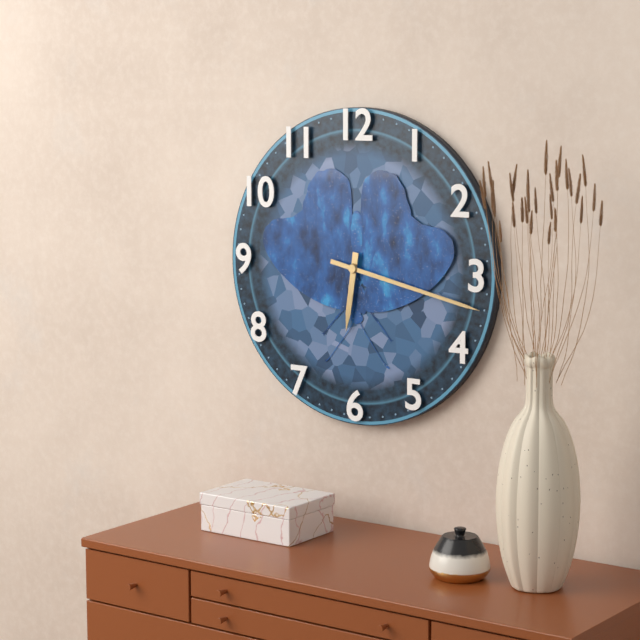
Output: h=6 m=17
